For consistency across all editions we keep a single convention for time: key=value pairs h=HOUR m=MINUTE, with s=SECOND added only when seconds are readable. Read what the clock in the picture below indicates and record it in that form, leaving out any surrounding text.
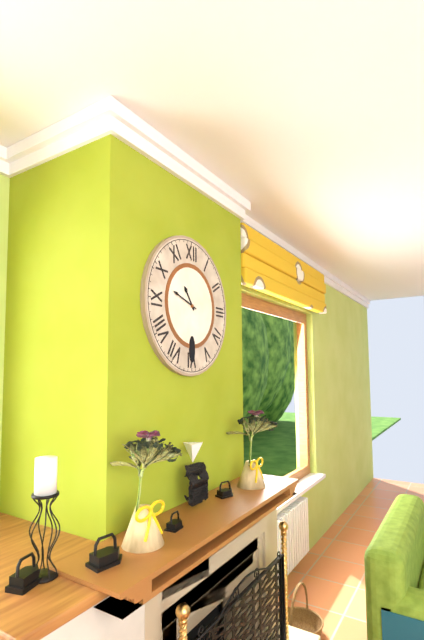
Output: h=10 m=48
